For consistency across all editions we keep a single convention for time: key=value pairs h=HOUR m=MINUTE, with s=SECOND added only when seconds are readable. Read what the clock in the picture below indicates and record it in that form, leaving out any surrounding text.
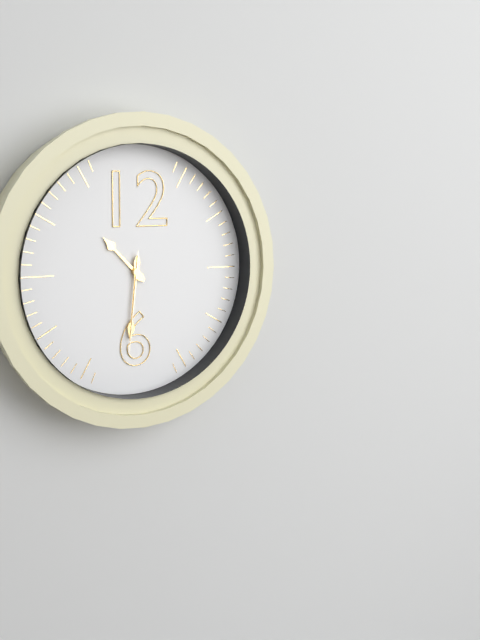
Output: h=10 m=31 s=31
